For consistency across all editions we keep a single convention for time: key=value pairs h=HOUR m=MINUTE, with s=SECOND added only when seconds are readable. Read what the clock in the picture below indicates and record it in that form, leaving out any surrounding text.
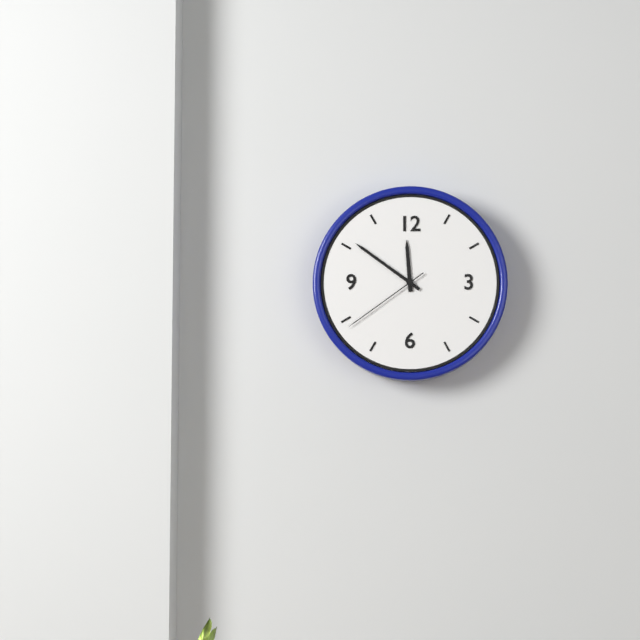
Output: h=11 m=51 s=39
